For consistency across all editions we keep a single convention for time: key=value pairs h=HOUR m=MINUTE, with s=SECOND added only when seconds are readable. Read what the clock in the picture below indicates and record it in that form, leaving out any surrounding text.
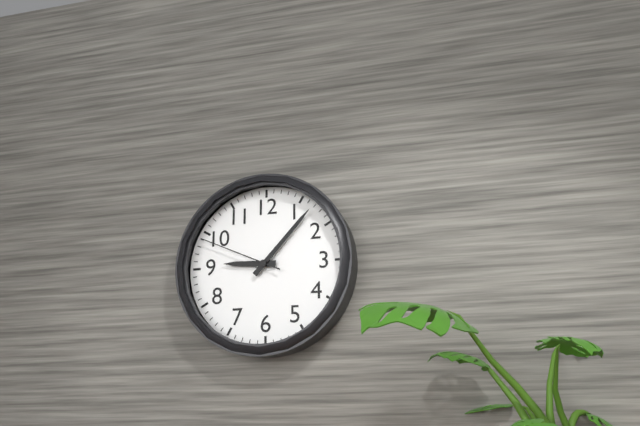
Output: h=9 m=7 s=49
